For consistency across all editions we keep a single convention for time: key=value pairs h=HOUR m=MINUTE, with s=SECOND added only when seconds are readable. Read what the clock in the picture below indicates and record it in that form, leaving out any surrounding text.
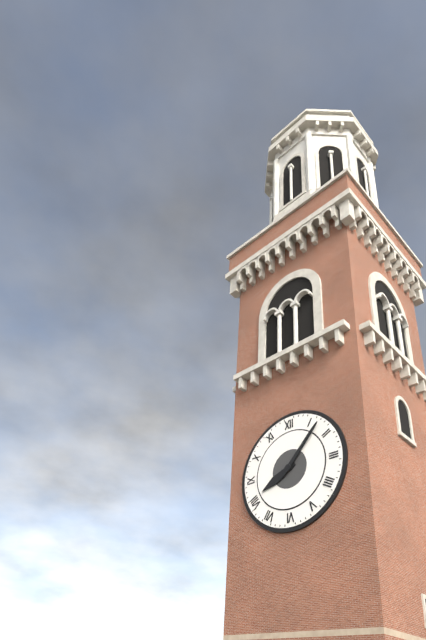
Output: h=8 m=7
